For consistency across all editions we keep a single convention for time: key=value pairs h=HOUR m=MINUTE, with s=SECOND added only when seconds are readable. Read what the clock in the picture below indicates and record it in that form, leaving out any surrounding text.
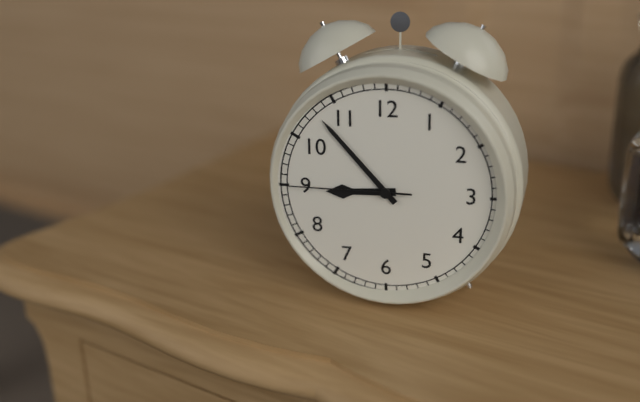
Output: h=8 m=53 s=45
